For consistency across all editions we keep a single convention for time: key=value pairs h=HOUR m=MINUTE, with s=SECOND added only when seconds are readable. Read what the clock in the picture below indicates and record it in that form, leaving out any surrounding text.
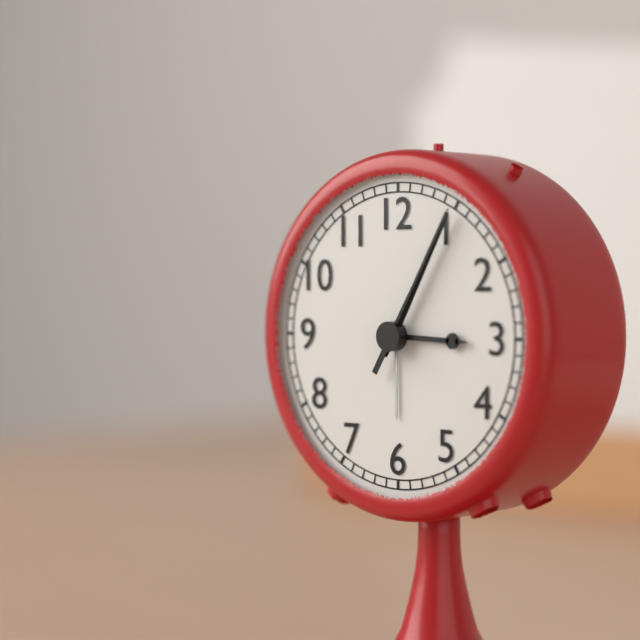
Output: h=3 m=5 s=5
